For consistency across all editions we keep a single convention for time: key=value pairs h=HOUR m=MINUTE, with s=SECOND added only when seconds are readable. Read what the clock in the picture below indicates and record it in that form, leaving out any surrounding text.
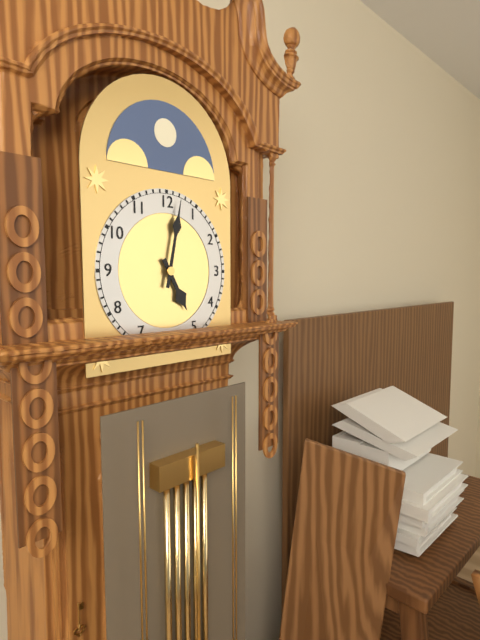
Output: h=5 m=2
